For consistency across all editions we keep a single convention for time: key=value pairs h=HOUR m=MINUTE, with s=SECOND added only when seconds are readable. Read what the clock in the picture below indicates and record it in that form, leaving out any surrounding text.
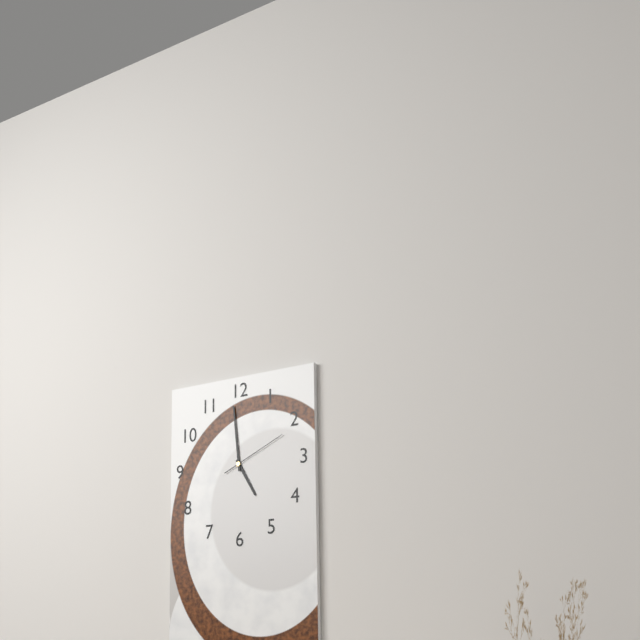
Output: h=4 m=59 s=11
